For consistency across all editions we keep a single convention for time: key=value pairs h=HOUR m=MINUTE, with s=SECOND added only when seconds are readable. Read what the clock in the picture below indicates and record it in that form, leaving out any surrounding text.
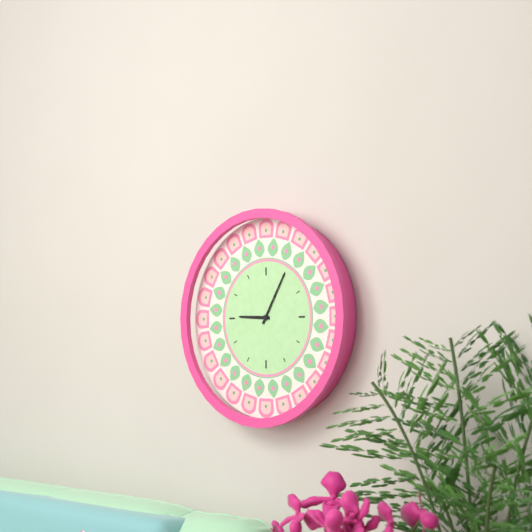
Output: h=9 m=5
